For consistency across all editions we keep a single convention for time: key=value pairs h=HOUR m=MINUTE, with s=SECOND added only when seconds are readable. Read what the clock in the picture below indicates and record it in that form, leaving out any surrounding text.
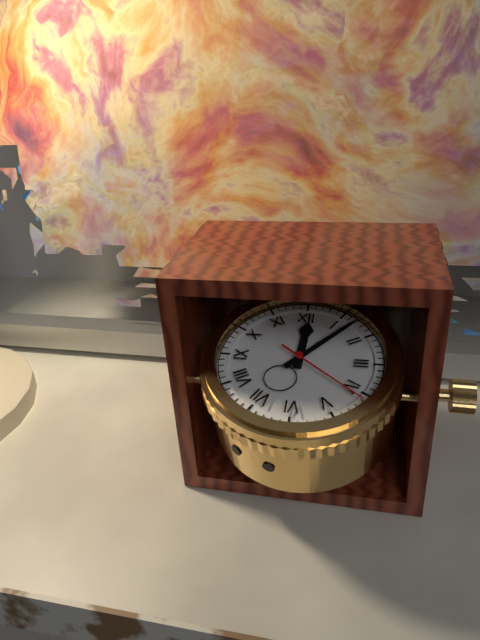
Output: h=12 m=7 s=21
